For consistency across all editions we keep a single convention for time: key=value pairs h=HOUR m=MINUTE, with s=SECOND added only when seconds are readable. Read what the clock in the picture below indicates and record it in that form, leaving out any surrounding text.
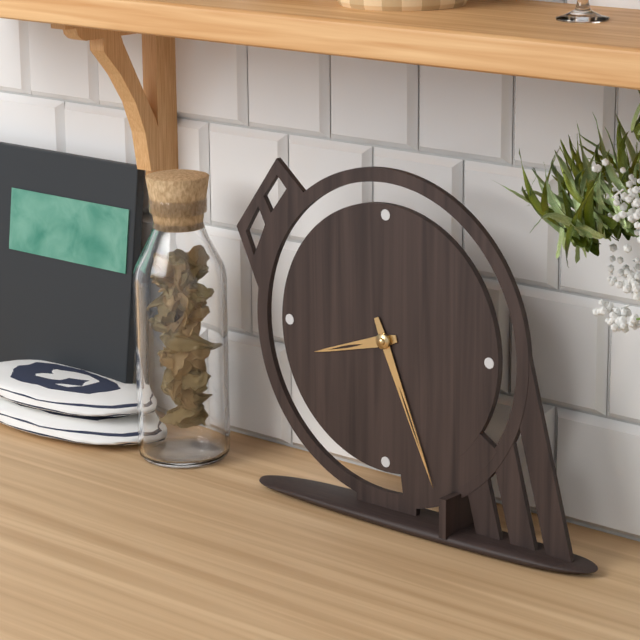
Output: h=8 m=26
